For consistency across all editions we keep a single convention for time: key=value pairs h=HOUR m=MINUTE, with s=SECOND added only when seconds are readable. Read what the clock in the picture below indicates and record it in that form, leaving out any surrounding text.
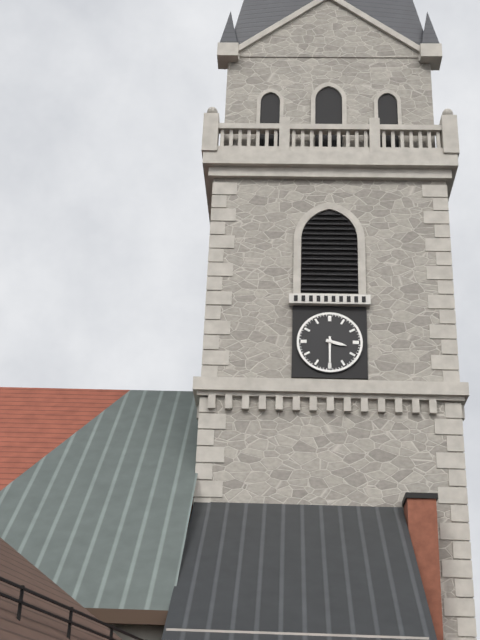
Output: h=3 m=30
